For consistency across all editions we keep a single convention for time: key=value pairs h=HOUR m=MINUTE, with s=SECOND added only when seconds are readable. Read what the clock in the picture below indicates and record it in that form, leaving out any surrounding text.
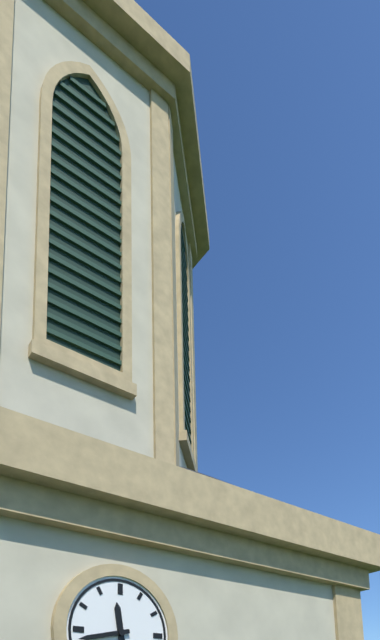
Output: h=11 m=43
